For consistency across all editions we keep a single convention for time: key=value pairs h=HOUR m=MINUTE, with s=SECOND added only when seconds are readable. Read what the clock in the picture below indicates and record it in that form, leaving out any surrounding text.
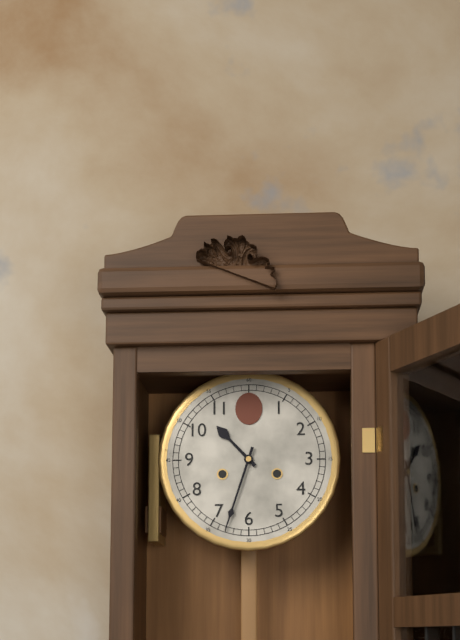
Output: h=10 m=33
